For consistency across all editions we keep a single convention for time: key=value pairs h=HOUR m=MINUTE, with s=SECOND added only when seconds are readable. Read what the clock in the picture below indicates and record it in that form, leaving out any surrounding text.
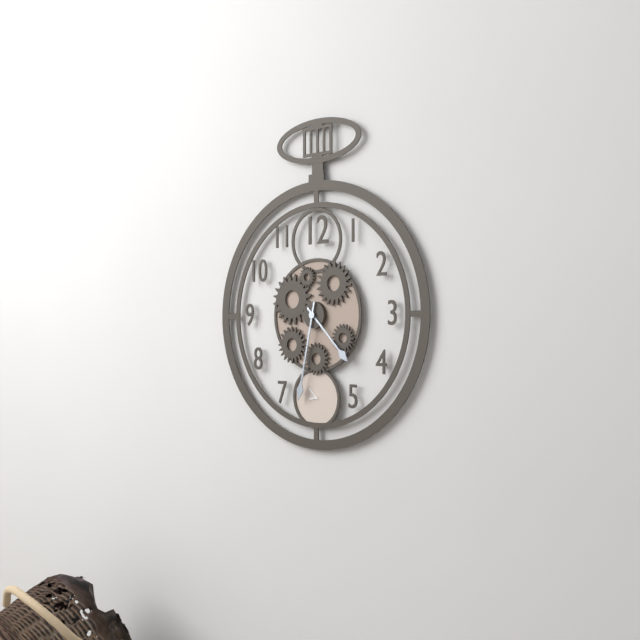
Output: h=4 m=32
